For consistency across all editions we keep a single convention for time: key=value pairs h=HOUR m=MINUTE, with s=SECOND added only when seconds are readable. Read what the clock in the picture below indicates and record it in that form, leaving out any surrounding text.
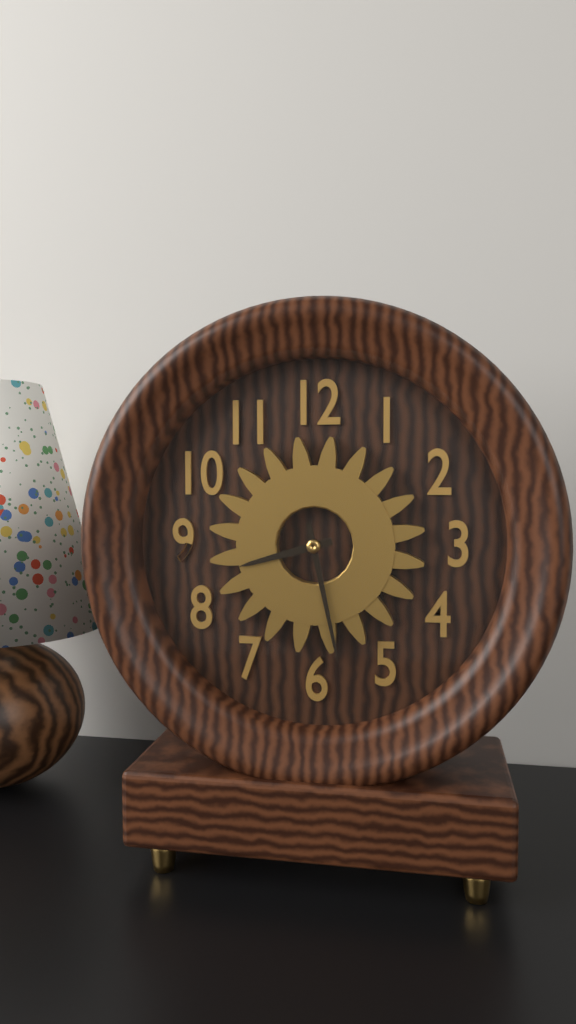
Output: h=8 m=28
